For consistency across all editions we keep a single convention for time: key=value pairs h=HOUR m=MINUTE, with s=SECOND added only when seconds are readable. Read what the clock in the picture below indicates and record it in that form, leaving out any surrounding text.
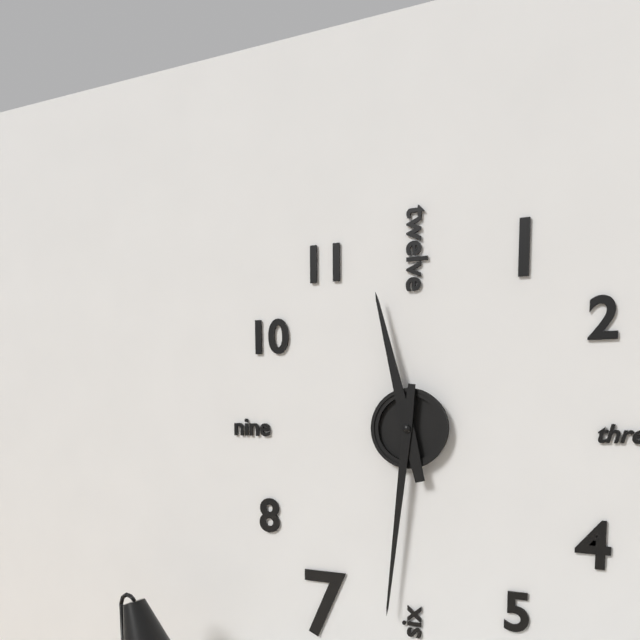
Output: h=11 m=31
